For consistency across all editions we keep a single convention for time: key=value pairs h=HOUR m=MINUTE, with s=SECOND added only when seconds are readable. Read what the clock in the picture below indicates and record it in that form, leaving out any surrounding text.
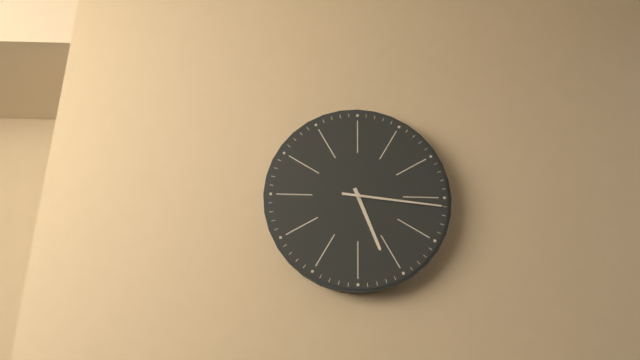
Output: h=5 m=16
